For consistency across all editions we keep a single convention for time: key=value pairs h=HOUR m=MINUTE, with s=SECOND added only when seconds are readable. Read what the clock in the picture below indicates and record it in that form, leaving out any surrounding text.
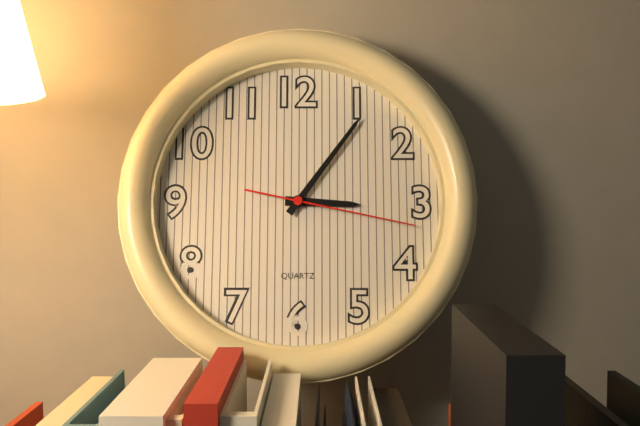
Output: h=3 m=6 s=17
